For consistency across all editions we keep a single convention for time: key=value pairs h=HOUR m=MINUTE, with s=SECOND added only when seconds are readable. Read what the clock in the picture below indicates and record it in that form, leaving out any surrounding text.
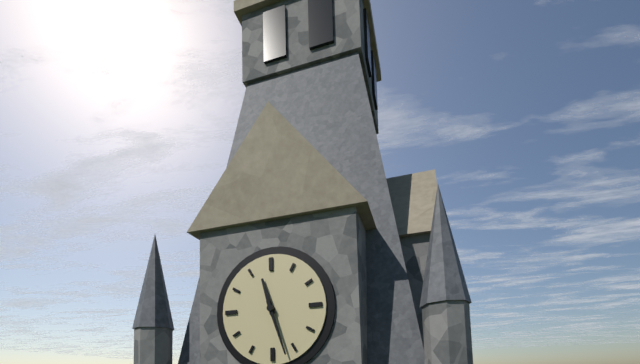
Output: h=11 m=27
